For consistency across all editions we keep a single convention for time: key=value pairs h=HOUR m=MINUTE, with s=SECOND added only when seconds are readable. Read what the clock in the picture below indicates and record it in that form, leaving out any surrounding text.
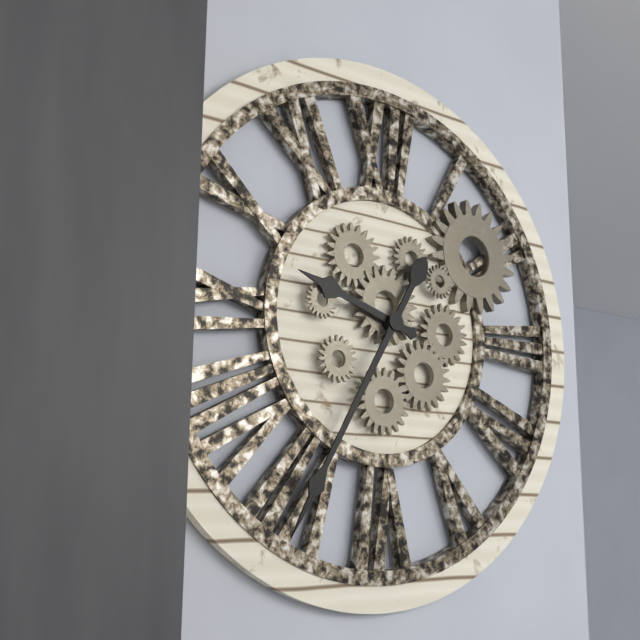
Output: h=9 m=35
